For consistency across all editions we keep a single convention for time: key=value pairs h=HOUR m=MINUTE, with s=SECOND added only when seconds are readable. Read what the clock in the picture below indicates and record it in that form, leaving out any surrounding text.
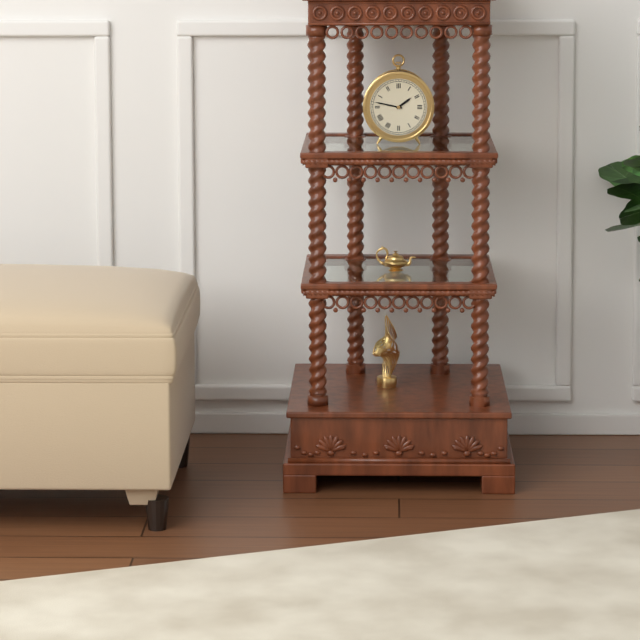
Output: h=1 m=47
